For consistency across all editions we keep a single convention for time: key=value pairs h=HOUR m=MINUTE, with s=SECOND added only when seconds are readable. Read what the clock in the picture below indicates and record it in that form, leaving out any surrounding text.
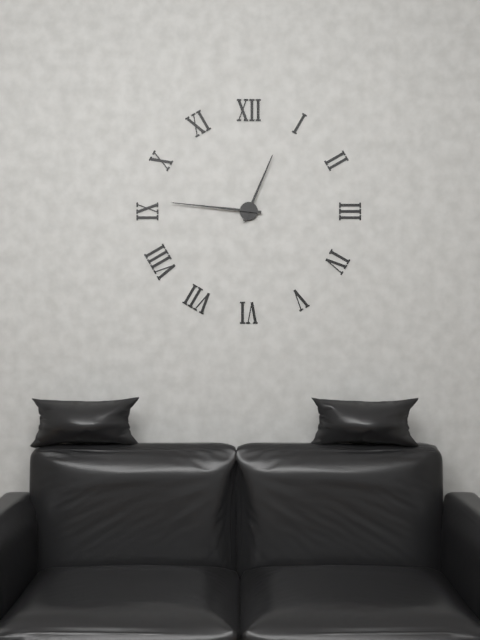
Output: h=12 m=46
